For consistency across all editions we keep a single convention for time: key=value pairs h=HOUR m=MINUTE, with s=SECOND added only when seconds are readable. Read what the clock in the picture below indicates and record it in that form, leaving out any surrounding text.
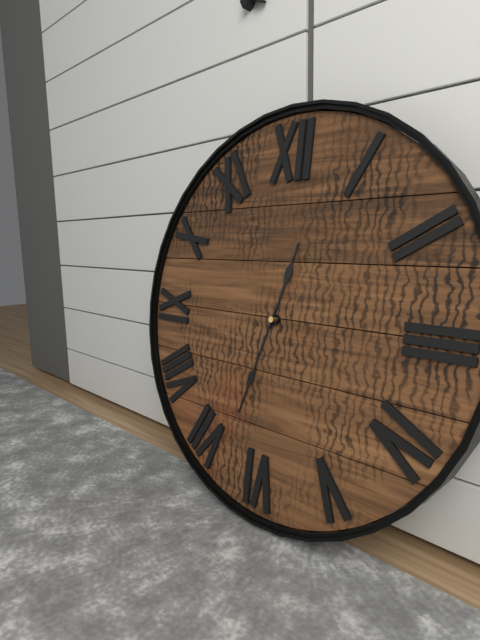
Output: h=12 m=33
